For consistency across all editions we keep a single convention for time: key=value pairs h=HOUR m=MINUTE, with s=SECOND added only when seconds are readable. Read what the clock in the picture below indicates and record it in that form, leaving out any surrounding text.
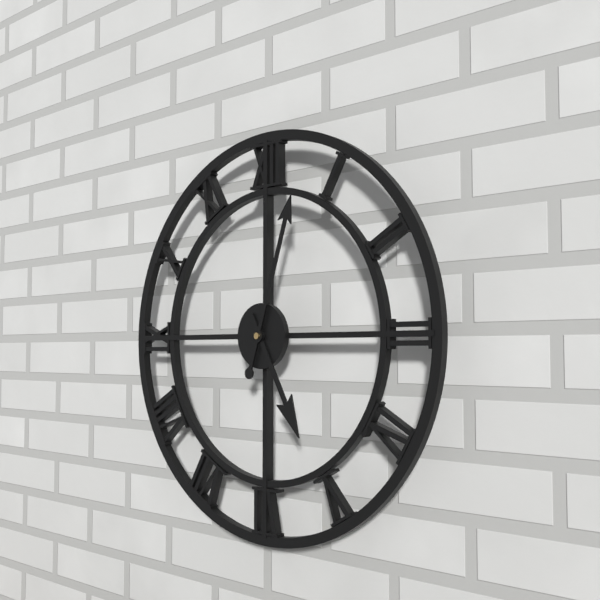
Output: h=5 m=3
